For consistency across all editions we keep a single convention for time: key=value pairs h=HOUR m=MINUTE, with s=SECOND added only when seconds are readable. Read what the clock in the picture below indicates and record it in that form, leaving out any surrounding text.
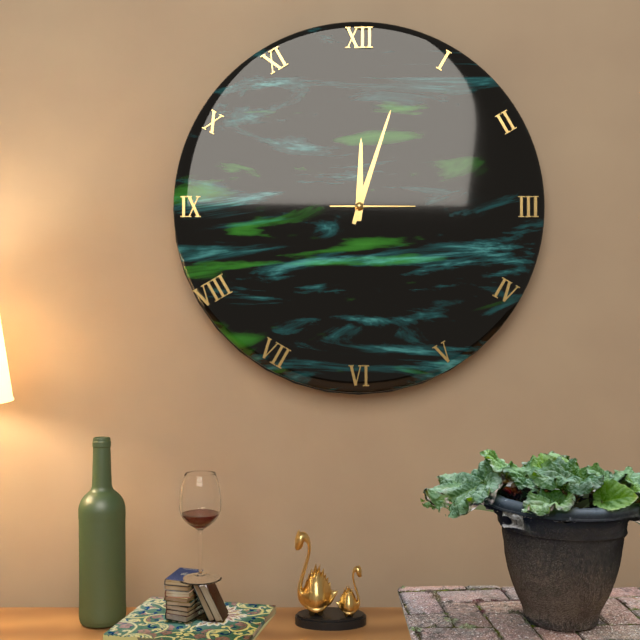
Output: h=12 m=3 s=15
